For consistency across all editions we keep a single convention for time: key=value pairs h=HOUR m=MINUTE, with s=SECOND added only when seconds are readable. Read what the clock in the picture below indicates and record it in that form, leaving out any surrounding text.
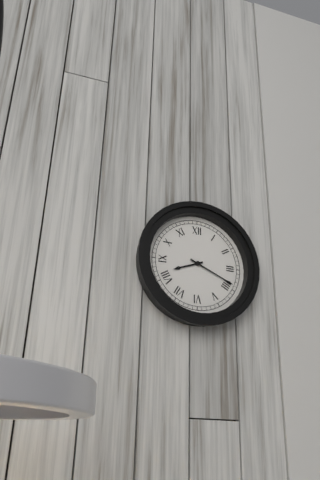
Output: h=8 m=19
